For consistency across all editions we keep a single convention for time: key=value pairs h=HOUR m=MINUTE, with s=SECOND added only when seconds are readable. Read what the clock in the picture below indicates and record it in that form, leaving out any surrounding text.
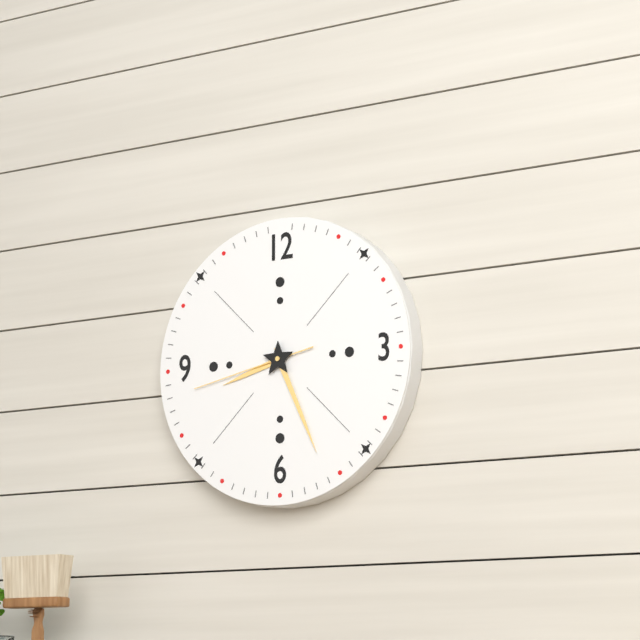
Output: h=8 m=26 s=43
